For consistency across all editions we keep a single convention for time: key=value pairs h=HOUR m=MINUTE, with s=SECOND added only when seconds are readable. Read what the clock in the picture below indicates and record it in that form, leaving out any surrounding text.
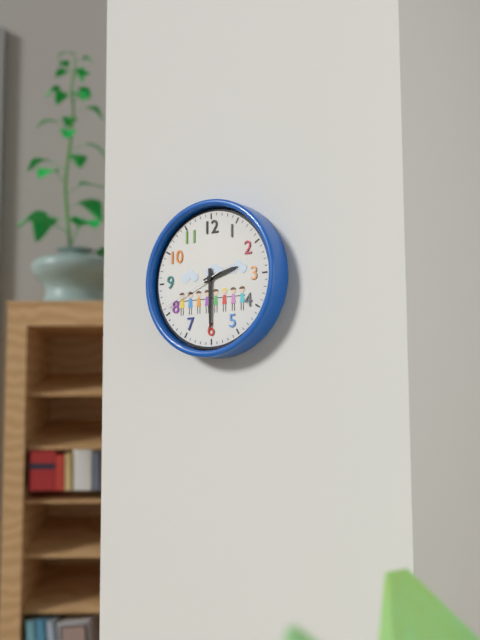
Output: h=2 m=30 s=41
